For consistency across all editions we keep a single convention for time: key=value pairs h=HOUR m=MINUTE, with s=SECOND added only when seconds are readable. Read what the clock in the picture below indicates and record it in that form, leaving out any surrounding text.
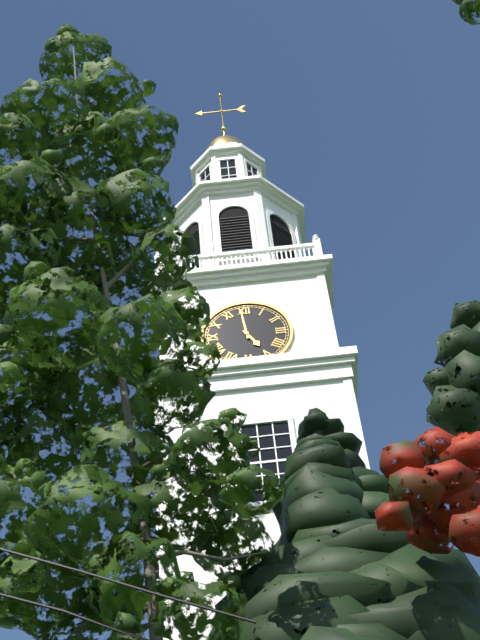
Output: h=4 m=59
